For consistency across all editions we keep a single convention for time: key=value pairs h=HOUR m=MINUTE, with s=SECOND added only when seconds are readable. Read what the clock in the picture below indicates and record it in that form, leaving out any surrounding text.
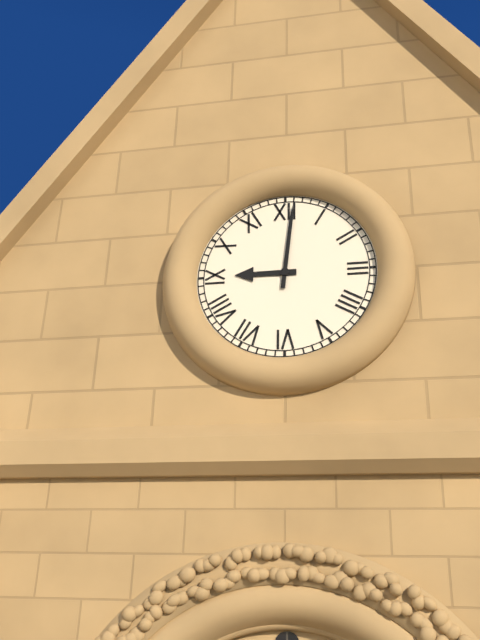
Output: h=9 m=1
